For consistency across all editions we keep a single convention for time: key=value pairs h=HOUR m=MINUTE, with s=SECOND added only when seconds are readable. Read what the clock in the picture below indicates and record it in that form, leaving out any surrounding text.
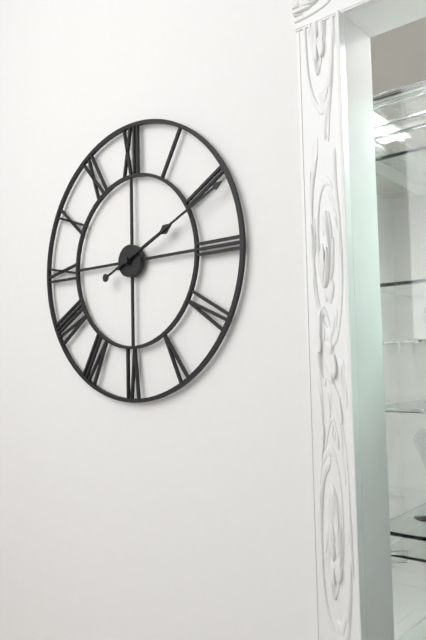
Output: h=2 m=11
